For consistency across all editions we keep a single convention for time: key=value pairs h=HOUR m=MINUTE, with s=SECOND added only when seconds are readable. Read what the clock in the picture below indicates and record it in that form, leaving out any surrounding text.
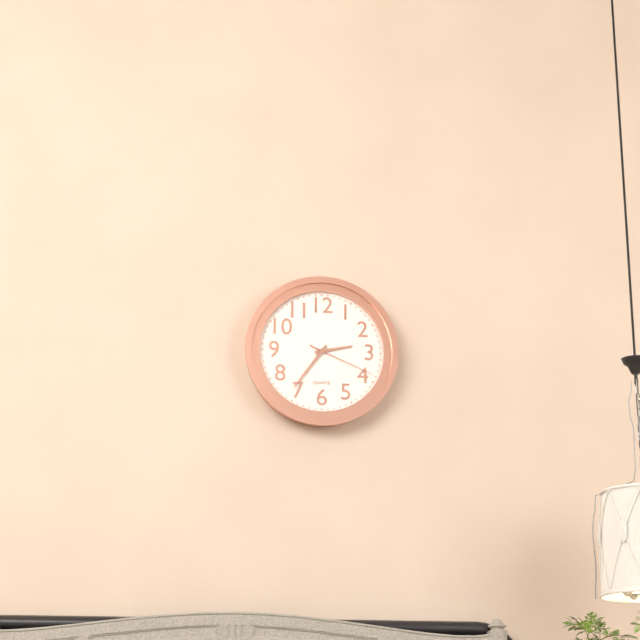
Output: h=2 m=36 s=19
